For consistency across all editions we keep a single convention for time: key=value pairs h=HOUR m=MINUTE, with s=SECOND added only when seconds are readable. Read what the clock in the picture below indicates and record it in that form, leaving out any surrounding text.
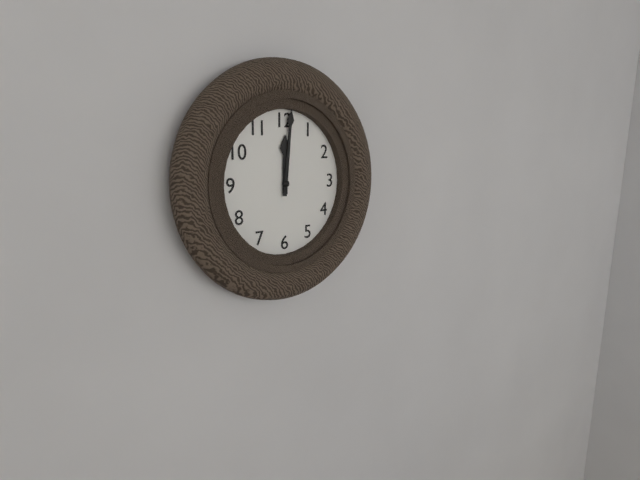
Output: h=12 m=1
